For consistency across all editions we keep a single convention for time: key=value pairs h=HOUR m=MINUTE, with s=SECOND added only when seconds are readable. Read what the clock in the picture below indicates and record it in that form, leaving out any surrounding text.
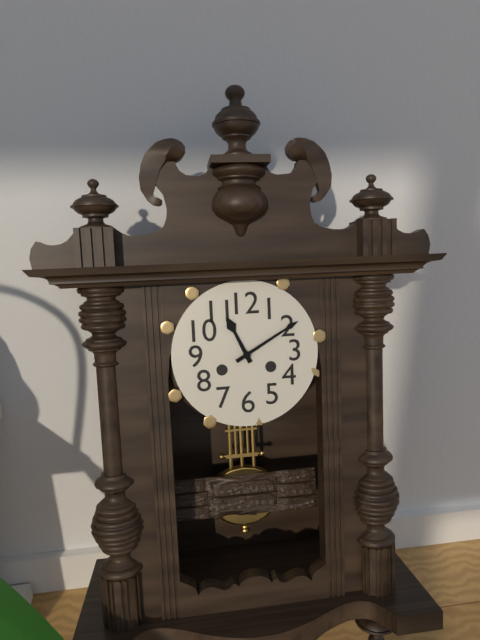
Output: h=11 m=10
